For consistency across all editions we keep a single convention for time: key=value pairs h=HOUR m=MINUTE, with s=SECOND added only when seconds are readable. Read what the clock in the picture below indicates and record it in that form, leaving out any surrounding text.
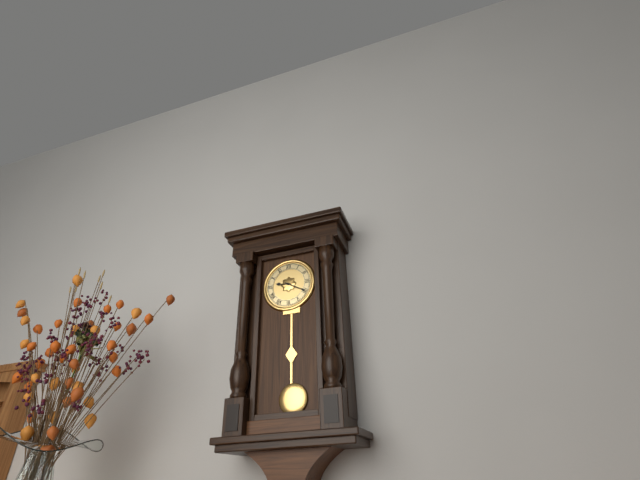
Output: h=9 m=20
